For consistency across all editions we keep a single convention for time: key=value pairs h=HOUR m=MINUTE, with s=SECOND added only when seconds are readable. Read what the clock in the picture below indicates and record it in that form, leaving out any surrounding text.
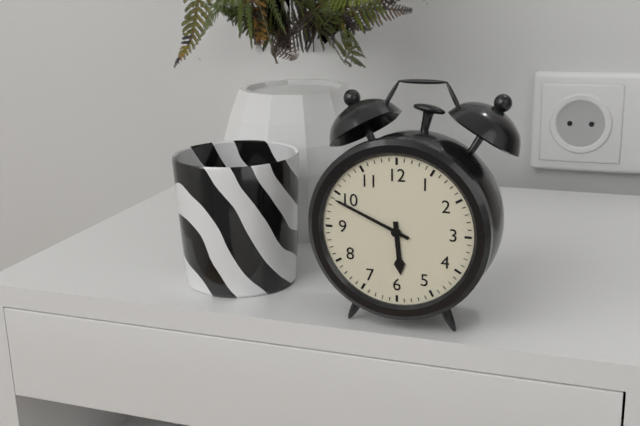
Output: h=5 m=49
